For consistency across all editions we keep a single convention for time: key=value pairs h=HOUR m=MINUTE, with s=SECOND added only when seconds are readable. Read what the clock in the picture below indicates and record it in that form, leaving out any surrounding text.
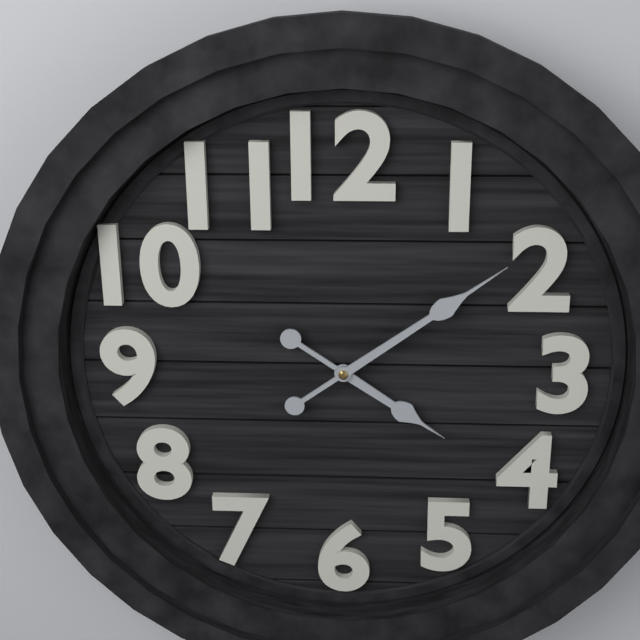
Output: h=4 m=9
